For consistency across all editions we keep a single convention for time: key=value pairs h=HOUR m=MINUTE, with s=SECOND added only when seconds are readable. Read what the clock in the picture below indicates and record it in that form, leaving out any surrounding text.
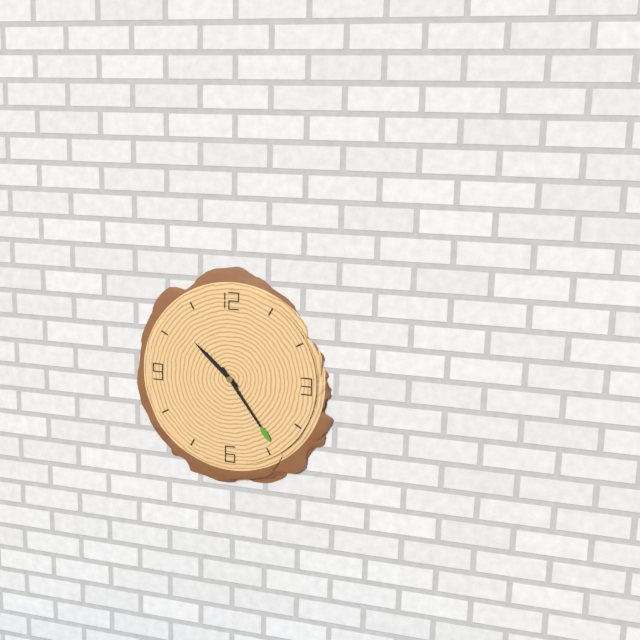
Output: h=10 m=24
